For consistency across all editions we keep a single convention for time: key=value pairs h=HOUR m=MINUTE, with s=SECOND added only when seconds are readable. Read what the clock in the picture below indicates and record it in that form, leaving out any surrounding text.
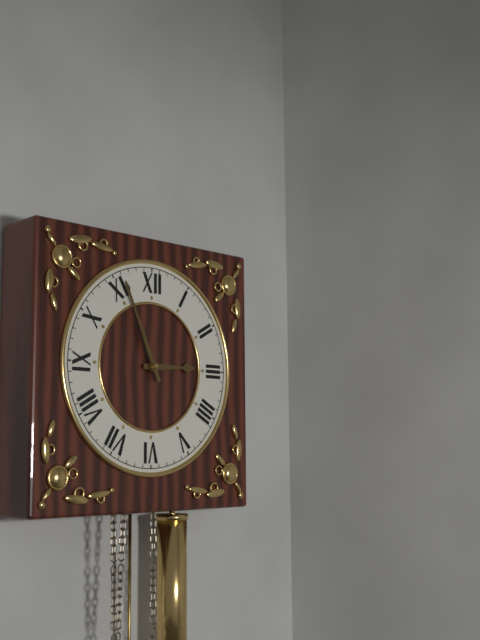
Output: h=2 m=56
